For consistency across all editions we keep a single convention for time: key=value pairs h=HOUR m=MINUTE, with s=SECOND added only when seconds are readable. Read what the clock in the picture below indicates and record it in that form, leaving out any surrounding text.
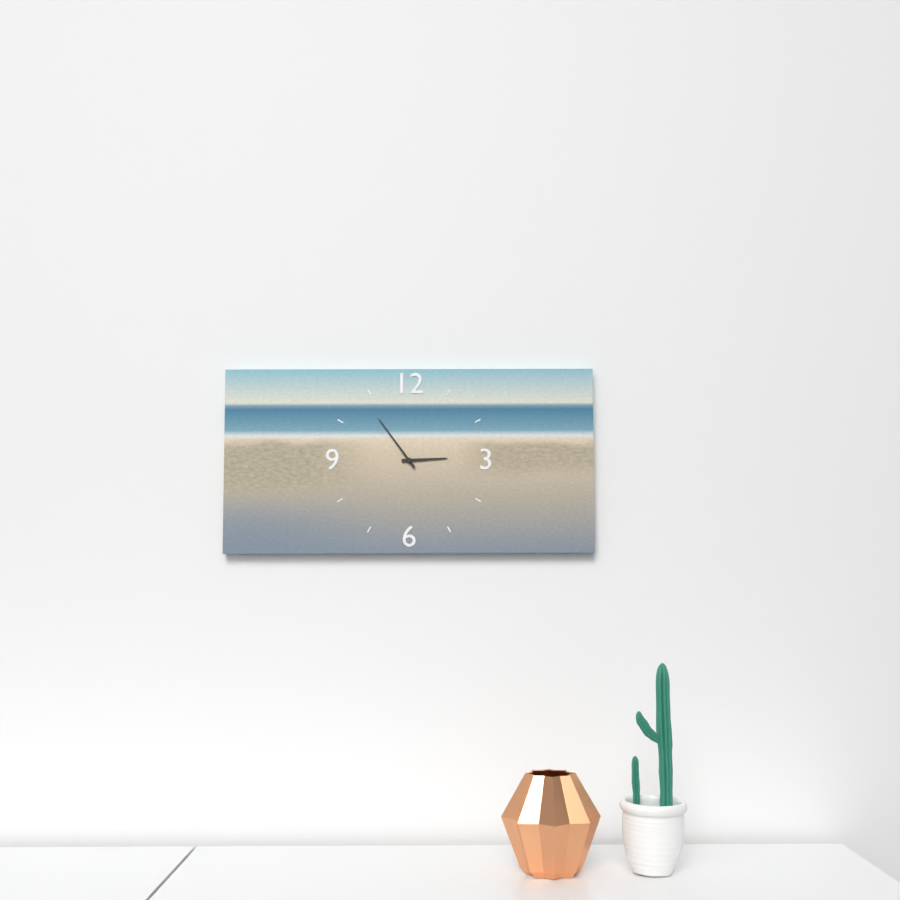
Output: h=2 m=54
